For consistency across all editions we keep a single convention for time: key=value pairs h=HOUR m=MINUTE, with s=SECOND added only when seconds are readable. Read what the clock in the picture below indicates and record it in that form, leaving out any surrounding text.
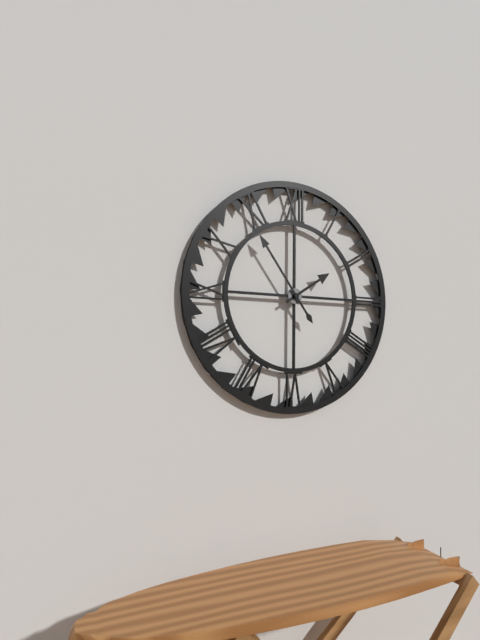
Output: h=1 m=54
